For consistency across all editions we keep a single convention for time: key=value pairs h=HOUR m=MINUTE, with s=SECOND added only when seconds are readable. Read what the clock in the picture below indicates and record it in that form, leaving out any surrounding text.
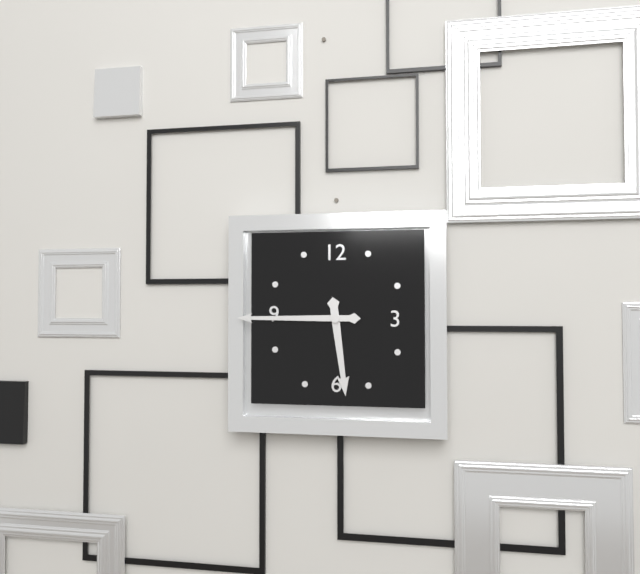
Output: h=5 m=45
